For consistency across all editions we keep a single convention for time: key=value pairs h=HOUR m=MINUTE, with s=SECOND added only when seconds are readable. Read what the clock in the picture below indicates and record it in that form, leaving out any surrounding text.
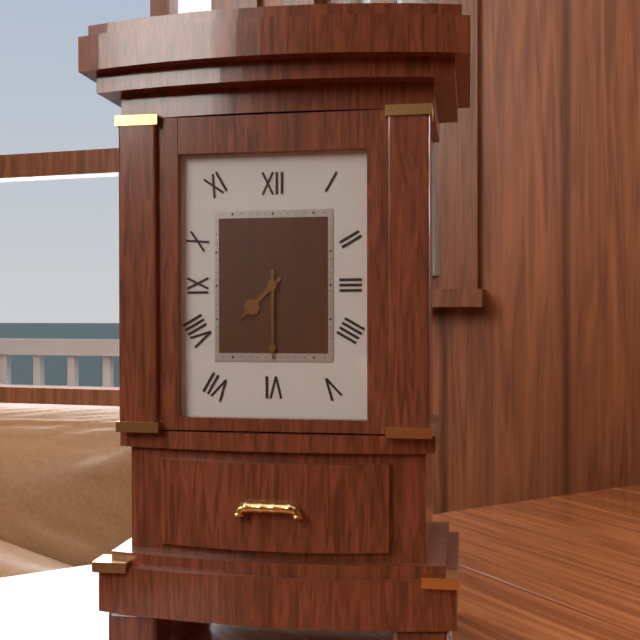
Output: h=7 m=30
